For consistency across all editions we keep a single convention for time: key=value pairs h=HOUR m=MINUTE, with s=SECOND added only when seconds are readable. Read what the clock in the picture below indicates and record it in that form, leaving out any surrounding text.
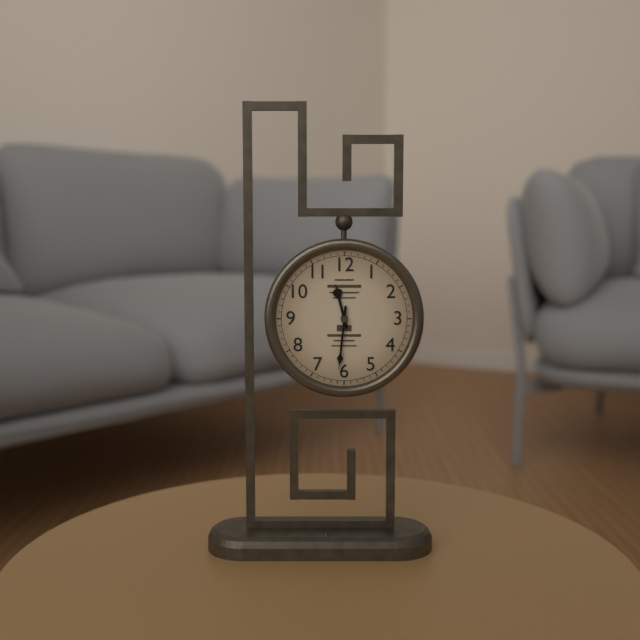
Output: h=11 m=31
